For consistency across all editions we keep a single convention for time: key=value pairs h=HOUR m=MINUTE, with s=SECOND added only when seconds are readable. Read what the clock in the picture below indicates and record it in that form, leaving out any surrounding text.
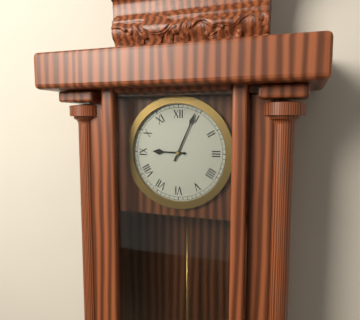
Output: h=9 m=4
